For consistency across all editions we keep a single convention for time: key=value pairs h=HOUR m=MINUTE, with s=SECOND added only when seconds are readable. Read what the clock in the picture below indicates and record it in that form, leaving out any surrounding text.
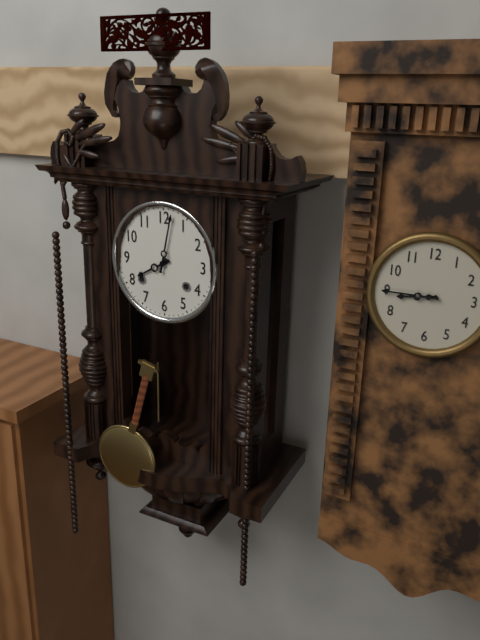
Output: h=8 m=2
